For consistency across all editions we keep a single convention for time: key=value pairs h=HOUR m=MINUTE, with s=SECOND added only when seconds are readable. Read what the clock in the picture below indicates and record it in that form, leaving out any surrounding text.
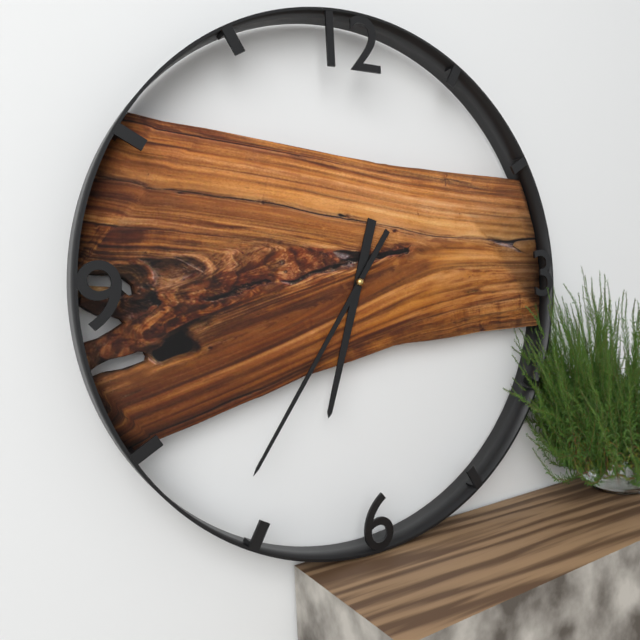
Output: h=6 m=36
